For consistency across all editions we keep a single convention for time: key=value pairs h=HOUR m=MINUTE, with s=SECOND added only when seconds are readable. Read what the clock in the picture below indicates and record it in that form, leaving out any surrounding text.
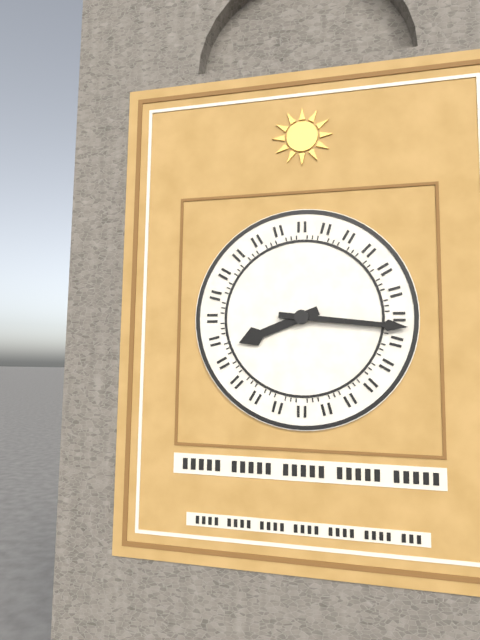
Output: h=8 m=16
